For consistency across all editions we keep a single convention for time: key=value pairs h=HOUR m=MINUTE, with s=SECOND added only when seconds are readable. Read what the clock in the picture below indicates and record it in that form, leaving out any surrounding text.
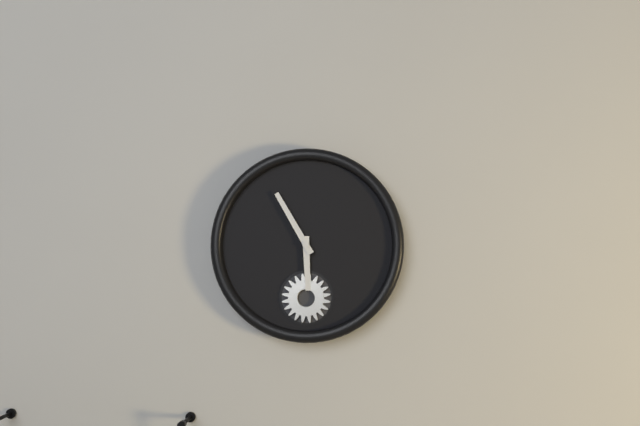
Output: h=5 m=55
